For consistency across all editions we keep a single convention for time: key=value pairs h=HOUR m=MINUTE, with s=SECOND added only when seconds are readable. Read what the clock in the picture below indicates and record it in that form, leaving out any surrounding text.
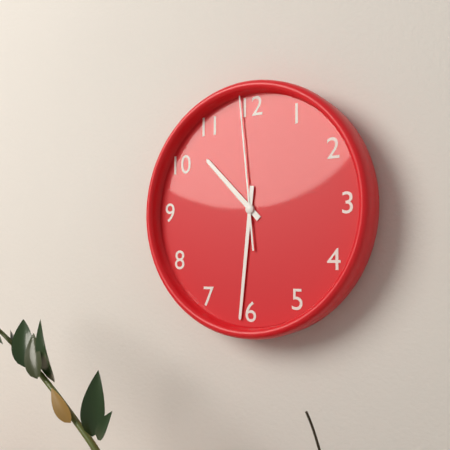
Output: h=10 m=31 s=59
